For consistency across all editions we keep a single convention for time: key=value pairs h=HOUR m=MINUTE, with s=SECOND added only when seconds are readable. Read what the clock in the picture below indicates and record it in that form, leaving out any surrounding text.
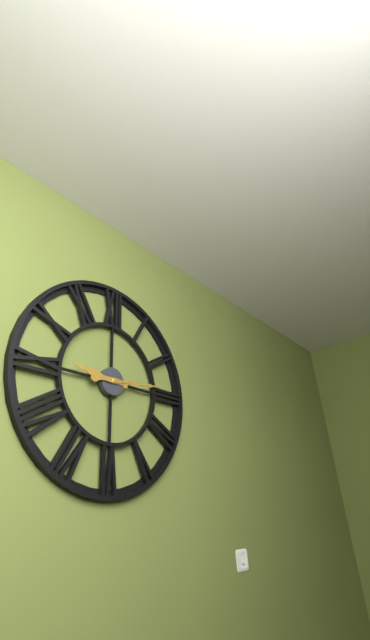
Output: h=9 m=14
